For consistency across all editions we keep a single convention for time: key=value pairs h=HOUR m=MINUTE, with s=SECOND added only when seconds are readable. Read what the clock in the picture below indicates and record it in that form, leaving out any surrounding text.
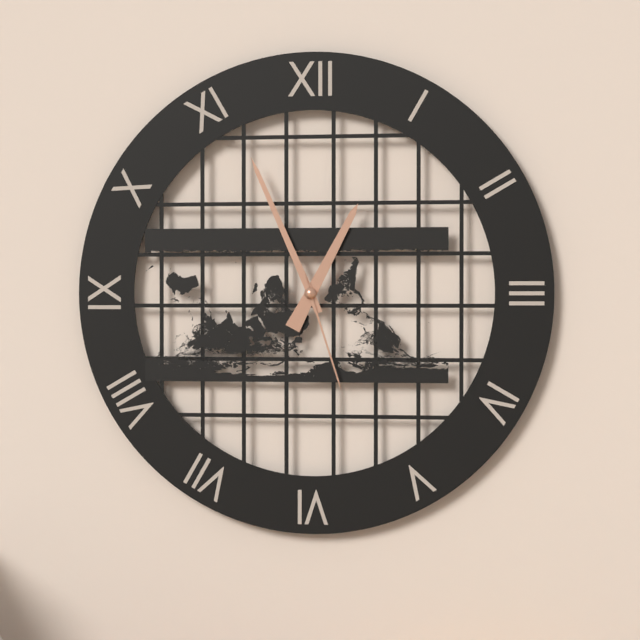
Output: h=12 m=56 s=27
